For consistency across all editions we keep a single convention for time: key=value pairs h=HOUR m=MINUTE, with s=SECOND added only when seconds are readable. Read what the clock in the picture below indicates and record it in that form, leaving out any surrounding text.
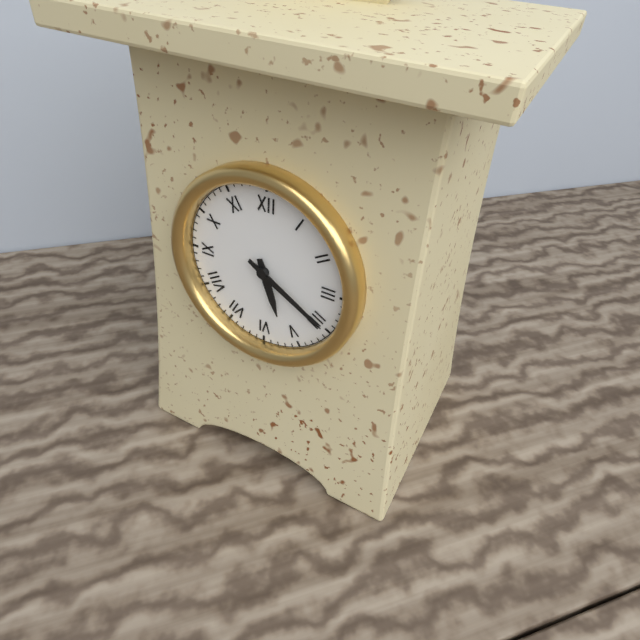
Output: h=5 m=20
